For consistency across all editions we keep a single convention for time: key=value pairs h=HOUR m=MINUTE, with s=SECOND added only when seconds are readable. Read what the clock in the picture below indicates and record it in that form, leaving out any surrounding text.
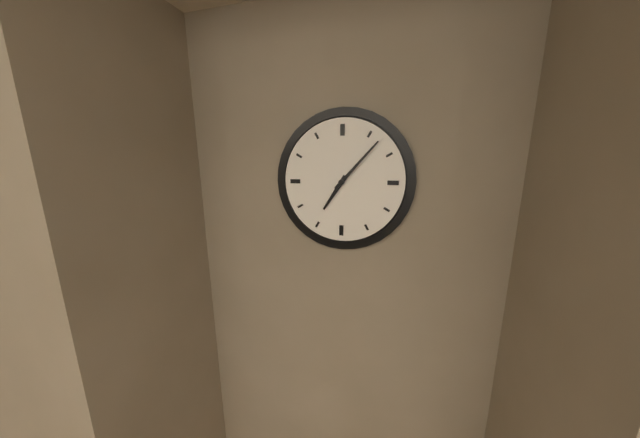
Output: h=7 m=7
